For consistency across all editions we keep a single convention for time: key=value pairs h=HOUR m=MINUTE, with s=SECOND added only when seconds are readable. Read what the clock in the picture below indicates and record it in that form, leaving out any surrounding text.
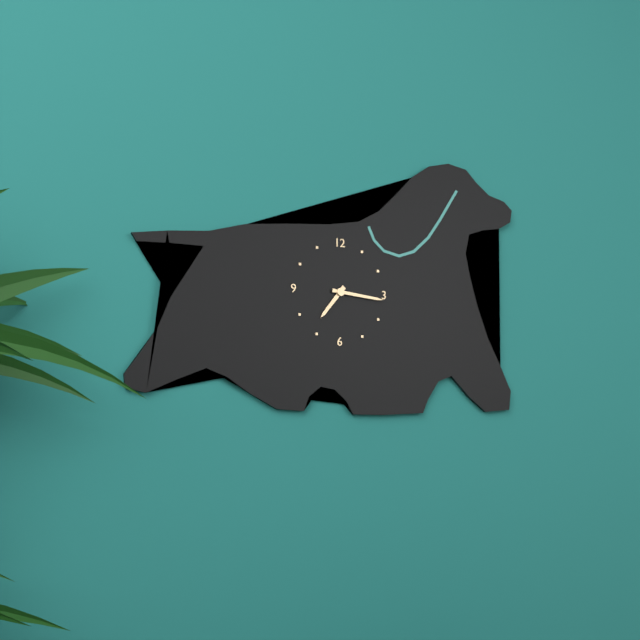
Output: h=7 m=16
